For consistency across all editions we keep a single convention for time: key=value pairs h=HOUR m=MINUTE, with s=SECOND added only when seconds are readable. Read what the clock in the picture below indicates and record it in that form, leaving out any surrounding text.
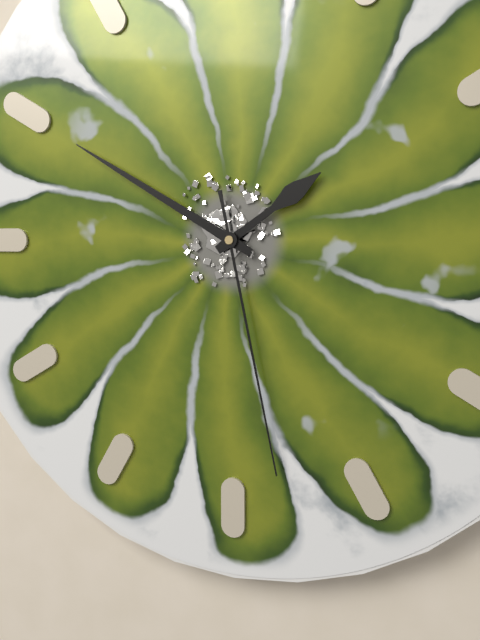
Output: h=1 m=50 s=28
